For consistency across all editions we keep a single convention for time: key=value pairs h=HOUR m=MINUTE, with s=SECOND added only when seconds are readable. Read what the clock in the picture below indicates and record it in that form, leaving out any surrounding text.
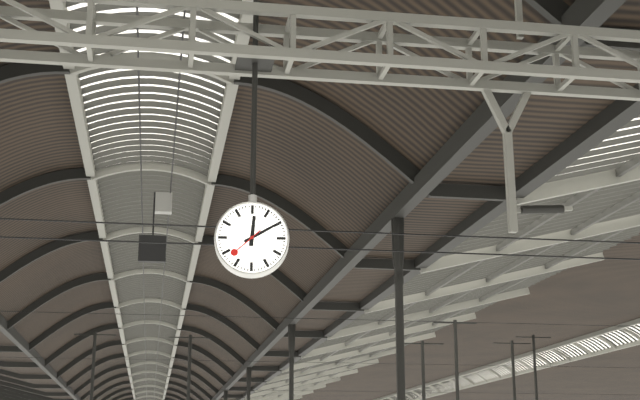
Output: h=12 m=10
